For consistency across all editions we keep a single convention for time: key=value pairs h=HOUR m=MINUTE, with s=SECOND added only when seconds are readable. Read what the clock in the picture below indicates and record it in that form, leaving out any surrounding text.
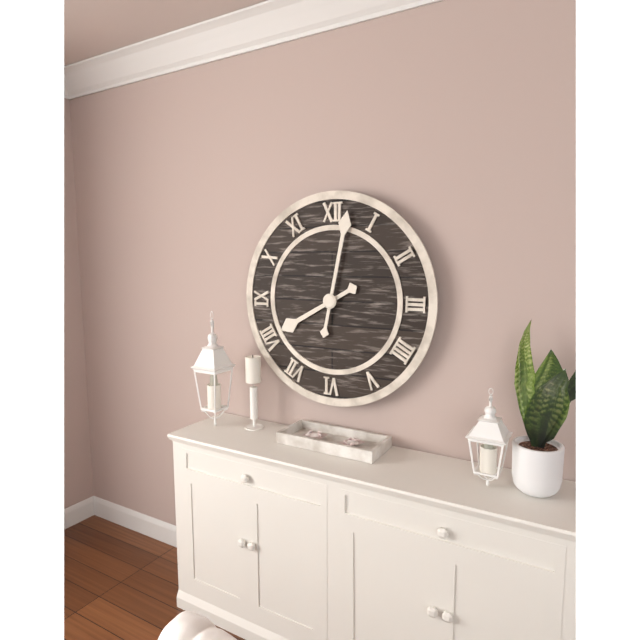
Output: h=8 m=2
